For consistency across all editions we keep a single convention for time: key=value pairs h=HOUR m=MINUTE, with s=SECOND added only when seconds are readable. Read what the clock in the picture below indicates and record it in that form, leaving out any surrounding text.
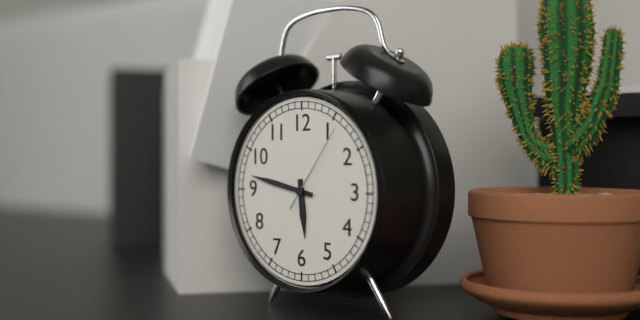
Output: h=5 m=47 s=6
